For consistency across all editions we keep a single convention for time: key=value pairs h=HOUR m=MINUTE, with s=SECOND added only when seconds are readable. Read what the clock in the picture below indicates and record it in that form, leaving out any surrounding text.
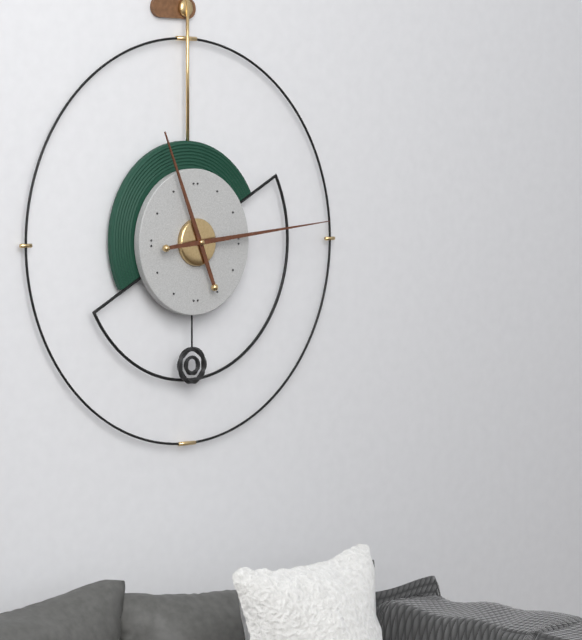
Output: h=11 m=14
